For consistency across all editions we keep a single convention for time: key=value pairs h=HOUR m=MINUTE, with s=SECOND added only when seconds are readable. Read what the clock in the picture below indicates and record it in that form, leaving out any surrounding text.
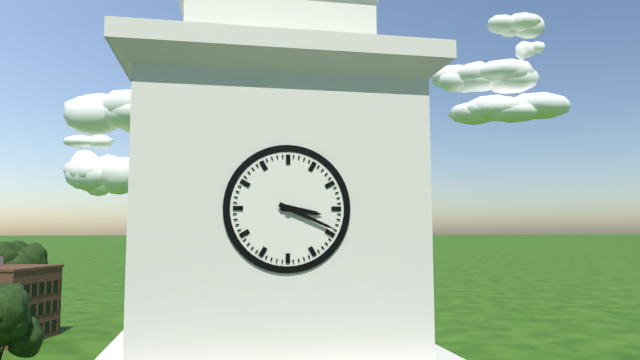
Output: h=3 m=19
